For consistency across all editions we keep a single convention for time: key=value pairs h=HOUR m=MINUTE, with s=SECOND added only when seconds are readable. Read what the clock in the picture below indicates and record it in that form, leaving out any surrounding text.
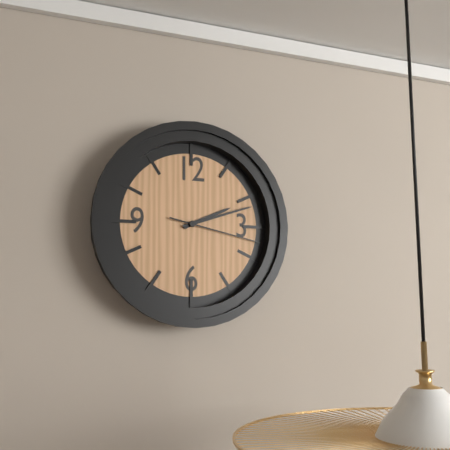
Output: h=2 m=12 s=17
